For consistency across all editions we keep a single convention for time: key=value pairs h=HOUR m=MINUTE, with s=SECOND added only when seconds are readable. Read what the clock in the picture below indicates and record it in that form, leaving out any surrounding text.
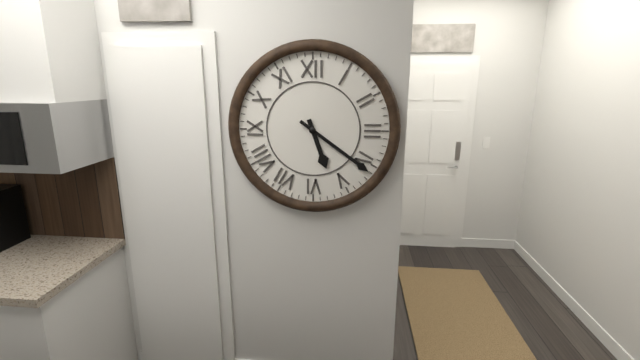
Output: h=5 m=21
